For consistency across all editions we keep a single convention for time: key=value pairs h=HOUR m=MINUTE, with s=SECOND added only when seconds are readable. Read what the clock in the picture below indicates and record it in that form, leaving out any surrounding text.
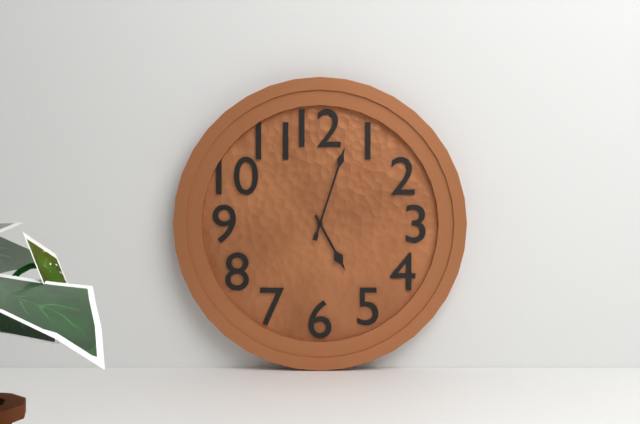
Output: h=5 m=3
